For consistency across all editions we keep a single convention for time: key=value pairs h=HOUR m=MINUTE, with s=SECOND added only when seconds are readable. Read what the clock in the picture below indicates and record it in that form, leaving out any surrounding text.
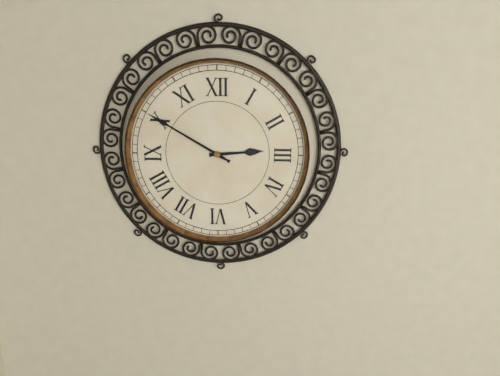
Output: h=2 m=50
